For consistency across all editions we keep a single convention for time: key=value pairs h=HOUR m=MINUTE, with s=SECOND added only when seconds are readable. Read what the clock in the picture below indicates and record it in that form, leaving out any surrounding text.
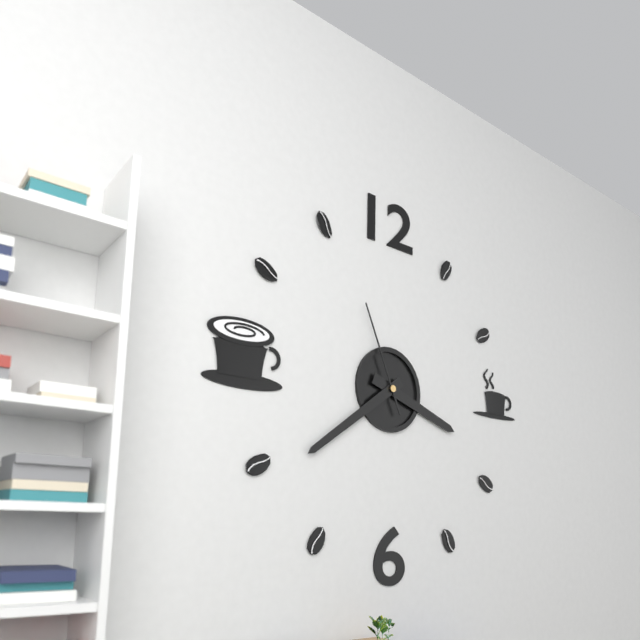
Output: h=3 m=39 s=56
